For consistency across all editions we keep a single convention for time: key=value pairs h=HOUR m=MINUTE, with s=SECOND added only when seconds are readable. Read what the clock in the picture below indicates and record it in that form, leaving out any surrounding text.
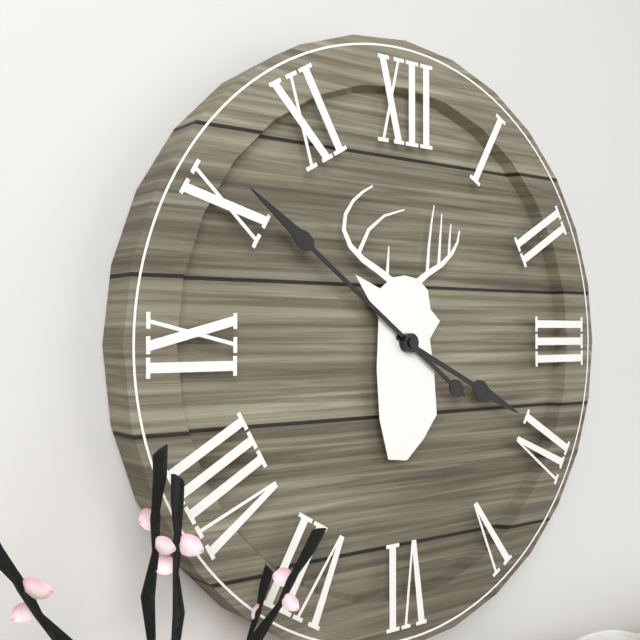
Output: h=3 m=51
